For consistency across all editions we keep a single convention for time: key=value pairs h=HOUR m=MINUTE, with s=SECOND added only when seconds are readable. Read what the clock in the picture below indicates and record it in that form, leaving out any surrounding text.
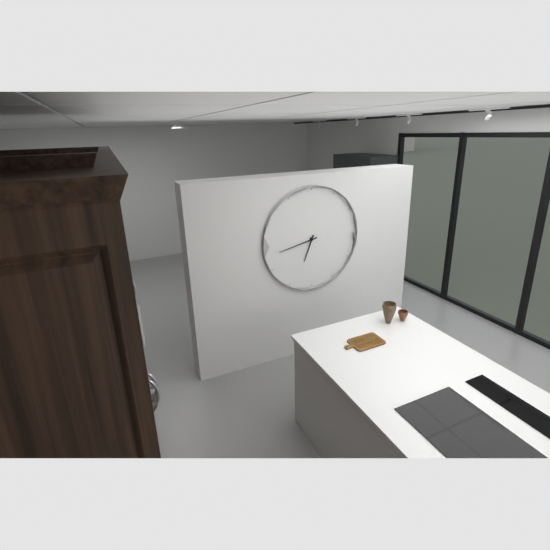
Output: h=6 m=43
